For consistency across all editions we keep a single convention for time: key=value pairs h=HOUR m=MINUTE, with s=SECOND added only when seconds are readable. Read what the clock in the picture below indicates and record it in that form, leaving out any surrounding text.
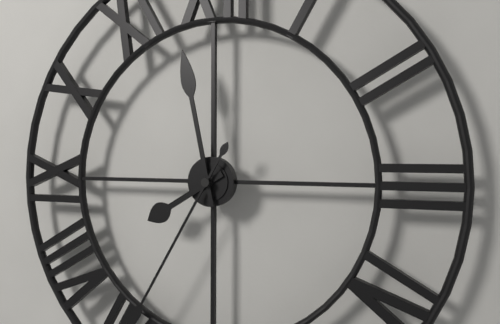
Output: h=7 m=58
